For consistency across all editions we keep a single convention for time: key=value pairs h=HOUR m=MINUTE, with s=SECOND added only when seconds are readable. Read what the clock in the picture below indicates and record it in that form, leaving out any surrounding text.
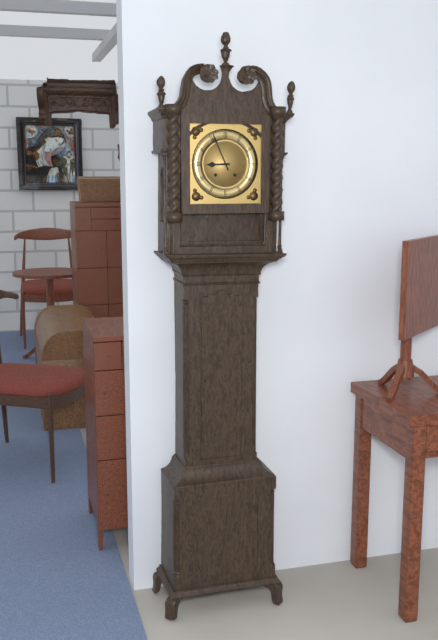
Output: h=8 m=56
